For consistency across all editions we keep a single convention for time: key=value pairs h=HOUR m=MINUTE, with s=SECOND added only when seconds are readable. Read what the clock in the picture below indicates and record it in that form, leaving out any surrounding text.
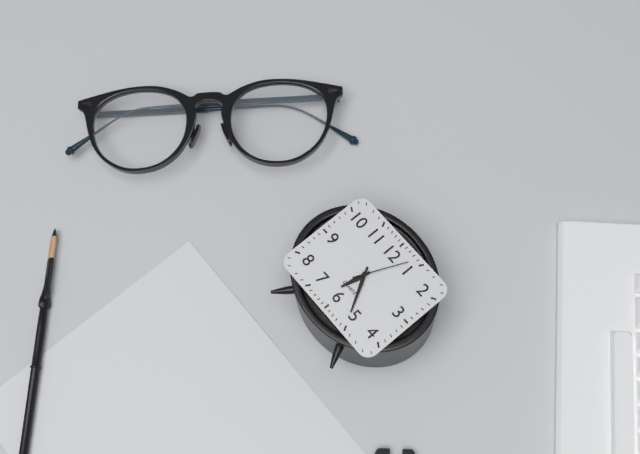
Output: h=6 m=25 s=4
